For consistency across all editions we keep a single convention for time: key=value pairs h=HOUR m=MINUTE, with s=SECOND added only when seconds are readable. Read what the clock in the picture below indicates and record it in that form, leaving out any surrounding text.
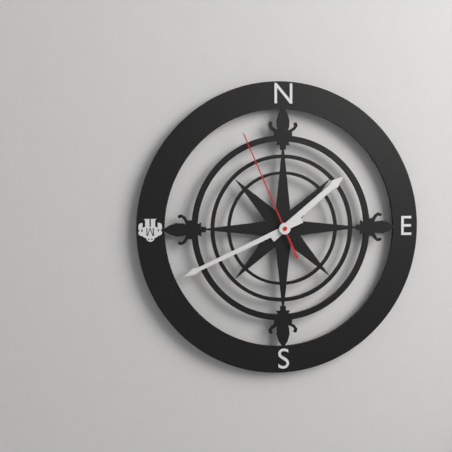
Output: h=1 m=41 s=56
